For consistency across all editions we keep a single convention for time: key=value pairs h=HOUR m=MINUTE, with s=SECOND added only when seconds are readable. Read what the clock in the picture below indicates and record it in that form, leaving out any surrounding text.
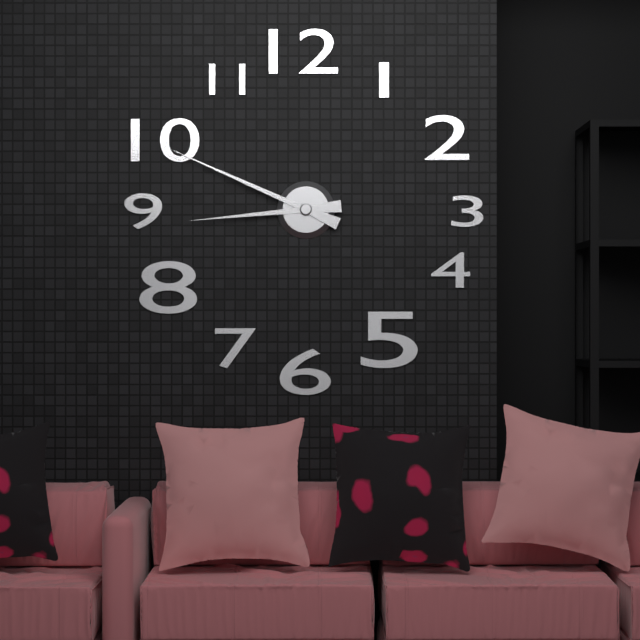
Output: h=8 m=49
